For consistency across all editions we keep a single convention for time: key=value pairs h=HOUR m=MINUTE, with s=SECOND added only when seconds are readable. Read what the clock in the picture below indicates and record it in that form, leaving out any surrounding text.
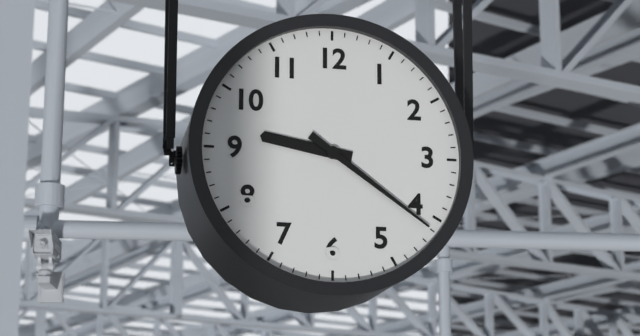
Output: h=9 m=21
